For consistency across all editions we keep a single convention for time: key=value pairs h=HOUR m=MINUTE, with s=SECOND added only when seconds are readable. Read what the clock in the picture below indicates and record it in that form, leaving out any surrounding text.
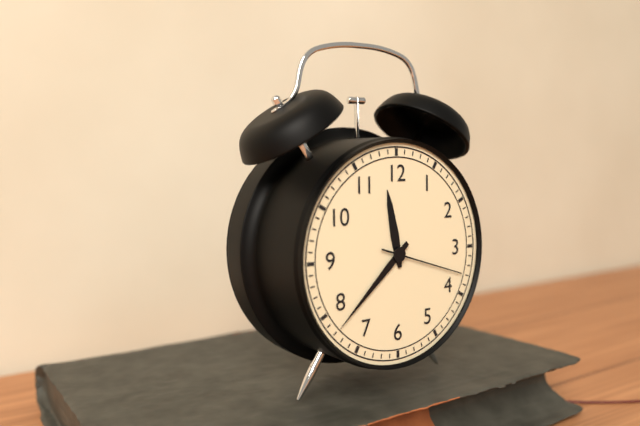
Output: h=11 m=38 s=18
